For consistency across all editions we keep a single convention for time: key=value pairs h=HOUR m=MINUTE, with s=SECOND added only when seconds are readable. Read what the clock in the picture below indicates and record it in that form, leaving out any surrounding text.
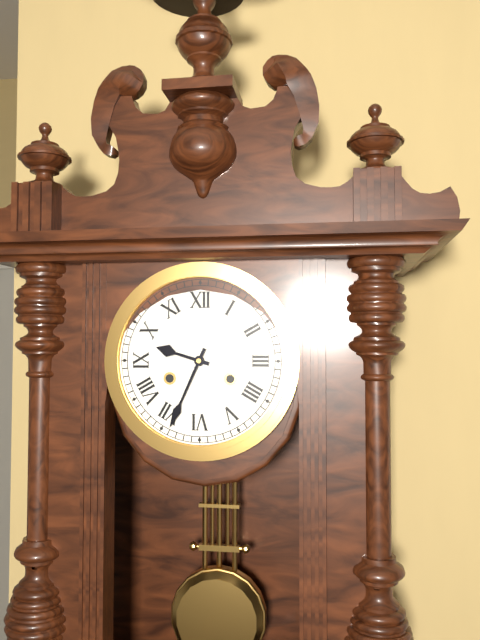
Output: h=9 m=34
